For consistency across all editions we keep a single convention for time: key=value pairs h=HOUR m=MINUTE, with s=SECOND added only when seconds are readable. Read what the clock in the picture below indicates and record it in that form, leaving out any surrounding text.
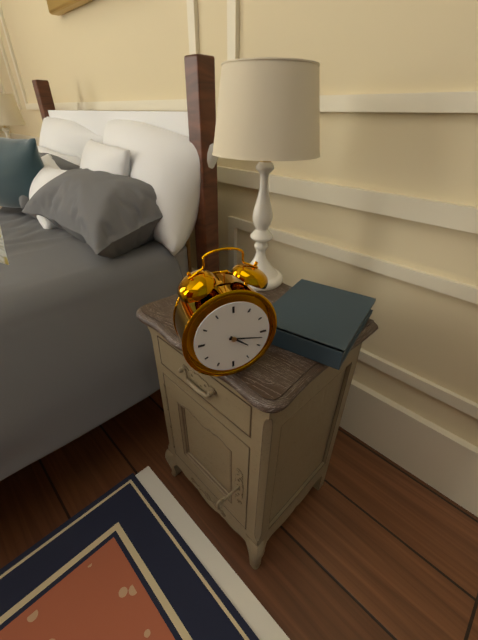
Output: h=4 m=17
